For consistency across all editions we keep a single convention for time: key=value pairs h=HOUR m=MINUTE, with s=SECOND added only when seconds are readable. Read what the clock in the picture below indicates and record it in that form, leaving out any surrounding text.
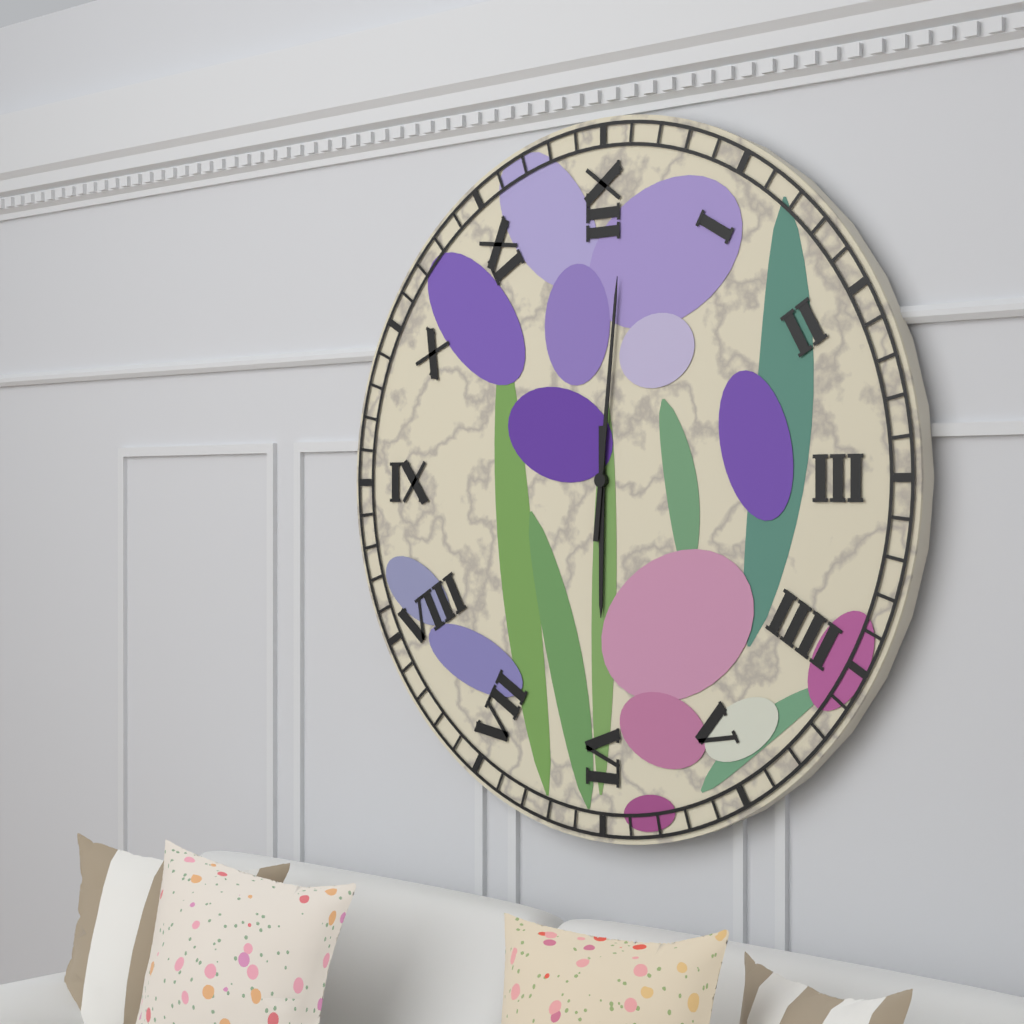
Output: h=6 m=1
